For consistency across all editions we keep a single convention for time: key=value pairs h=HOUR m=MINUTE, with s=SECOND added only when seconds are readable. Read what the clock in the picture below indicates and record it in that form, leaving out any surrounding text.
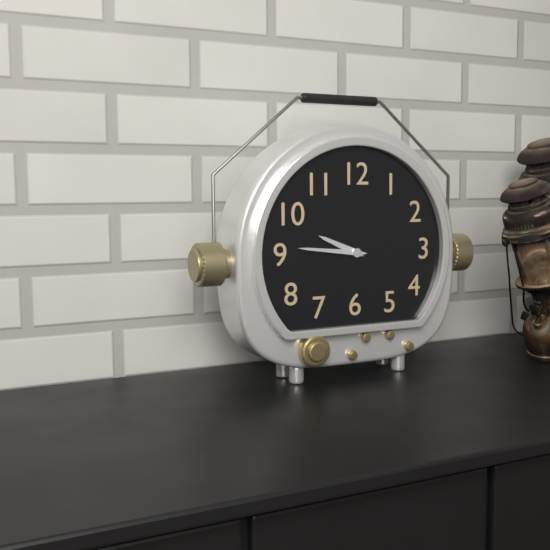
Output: h=9 m=46
